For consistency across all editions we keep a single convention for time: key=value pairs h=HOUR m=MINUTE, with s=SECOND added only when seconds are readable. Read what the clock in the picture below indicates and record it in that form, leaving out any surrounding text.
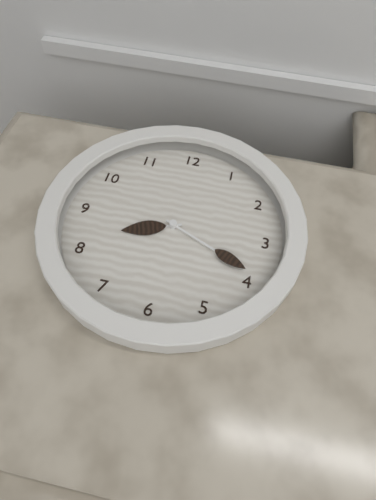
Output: h=8 m=19
